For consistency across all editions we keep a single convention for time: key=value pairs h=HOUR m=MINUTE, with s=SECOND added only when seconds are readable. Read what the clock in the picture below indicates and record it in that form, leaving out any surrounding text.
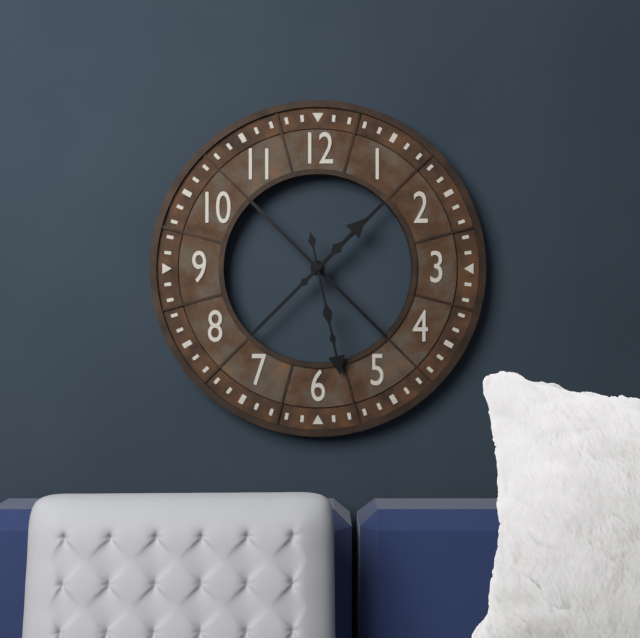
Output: h=1 m=28
